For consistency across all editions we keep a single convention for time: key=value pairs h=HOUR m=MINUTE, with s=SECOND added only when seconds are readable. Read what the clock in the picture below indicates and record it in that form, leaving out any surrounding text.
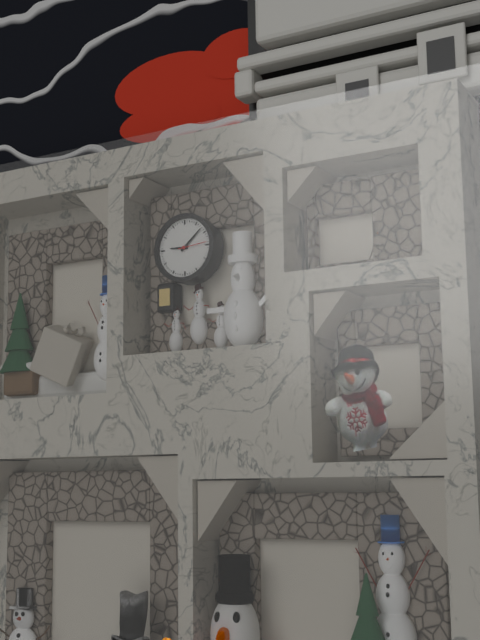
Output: h=9 m=8
